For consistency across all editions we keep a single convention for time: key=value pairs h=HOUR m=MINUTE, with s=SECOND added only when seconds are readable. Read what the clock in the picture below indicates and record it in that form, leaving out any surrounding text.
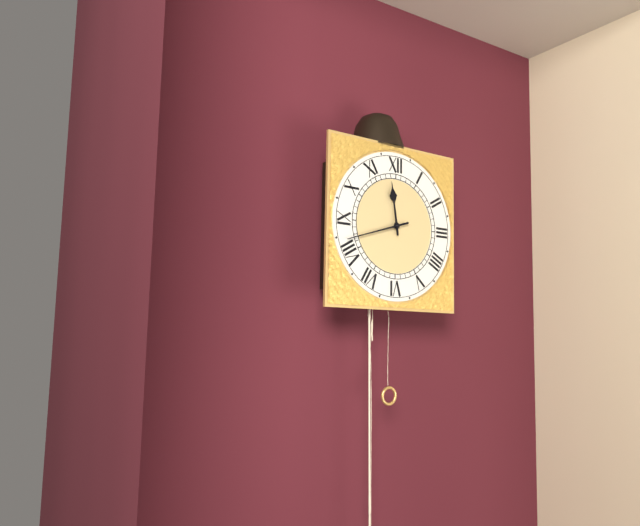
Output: h=11 m=42
